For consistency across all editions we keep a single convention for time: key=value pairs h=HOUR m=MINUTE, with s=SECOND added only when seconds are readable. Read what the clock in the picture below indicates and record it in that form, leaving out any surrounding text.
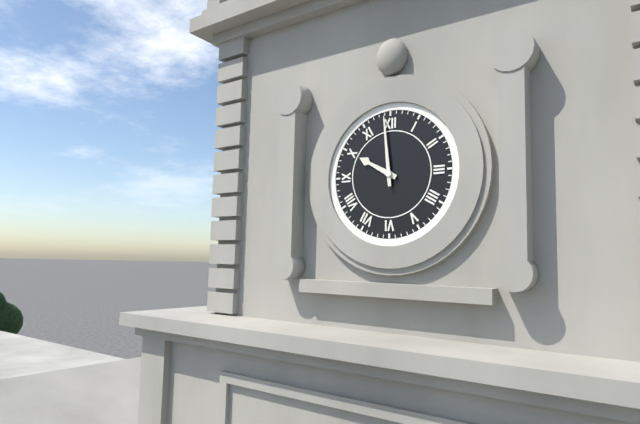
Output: h=9 m=59
